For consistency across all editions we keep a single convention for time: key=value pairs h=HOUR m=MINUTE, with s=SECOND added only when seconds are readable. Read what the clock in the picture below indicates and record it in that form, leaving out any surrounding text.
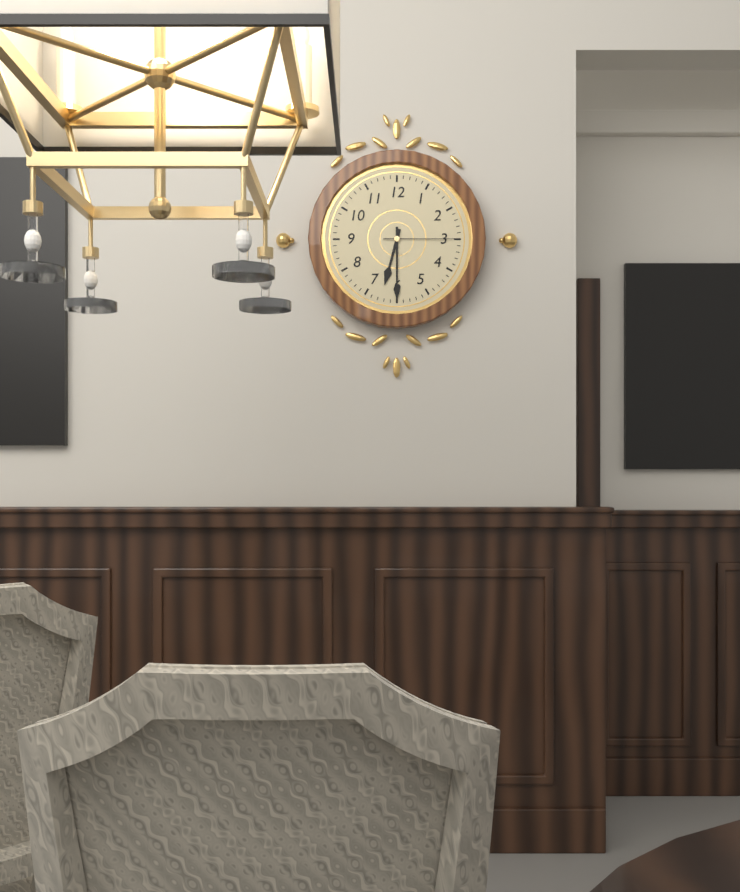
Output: h=6 m=30 s=15
